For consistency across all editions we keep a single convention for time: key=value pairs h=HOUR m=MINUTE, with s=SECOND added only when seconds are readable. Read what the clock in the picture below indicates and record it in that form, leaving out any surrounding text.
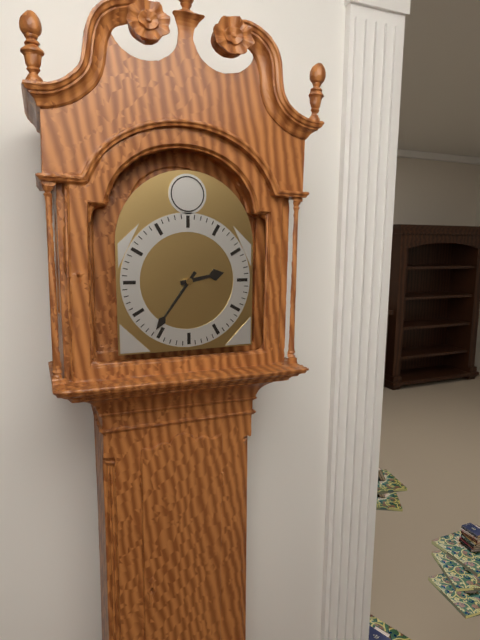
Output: h=2 m=36
